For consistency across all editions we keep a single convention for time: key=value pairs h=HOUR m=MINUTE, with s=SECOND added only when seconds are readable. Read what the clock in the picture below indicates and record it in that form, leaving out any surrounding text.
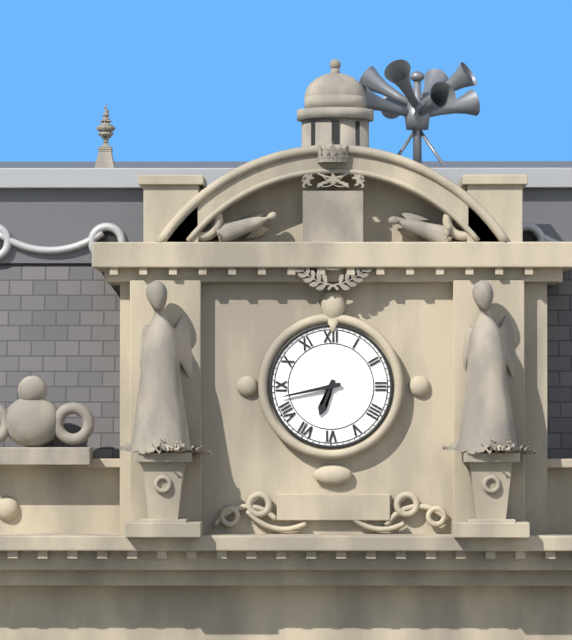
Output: h=6 m=43
